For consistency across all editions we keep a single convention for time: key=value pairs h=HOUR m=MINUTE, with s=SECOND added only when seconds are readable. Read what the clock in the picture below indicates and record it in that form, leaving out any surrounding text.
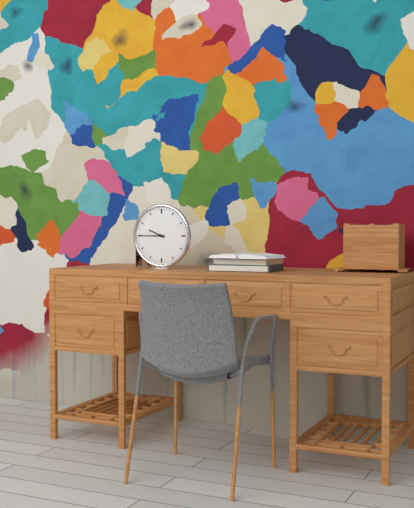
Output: h=9 m=45
